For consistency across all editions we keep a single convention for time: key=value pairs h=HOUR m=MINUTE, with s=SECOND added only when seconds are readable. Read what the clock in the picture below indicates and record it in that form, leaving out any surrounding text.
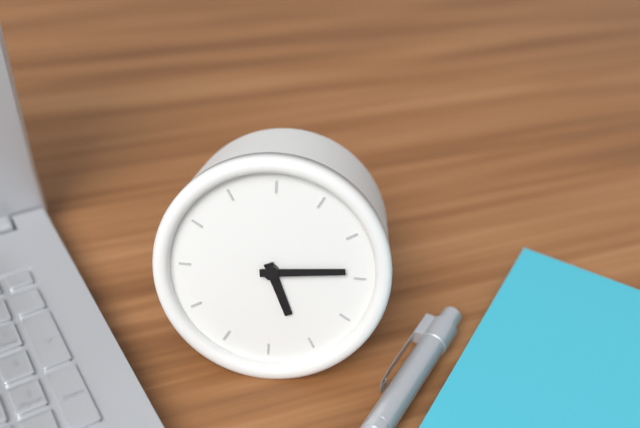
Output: h=5 m=14
